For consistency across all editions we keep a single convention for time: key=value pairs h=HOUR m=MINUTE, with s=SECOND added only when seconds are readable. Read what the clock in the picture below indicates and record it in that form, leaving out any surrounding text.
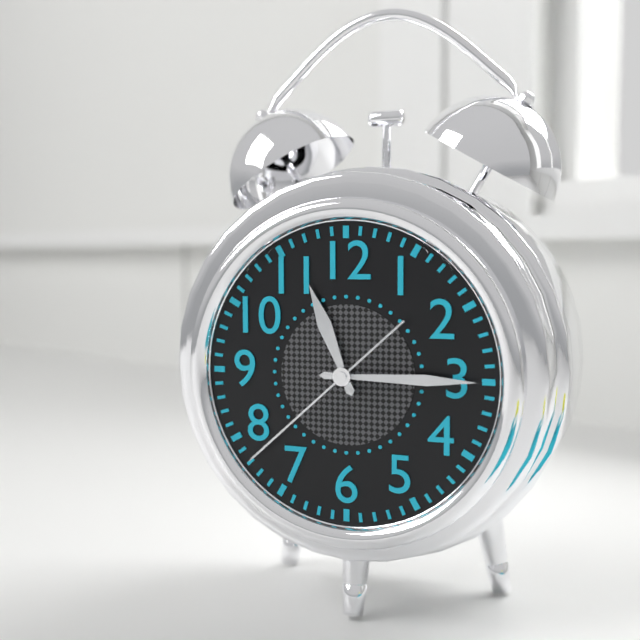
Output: h=11 m=15 s=38
